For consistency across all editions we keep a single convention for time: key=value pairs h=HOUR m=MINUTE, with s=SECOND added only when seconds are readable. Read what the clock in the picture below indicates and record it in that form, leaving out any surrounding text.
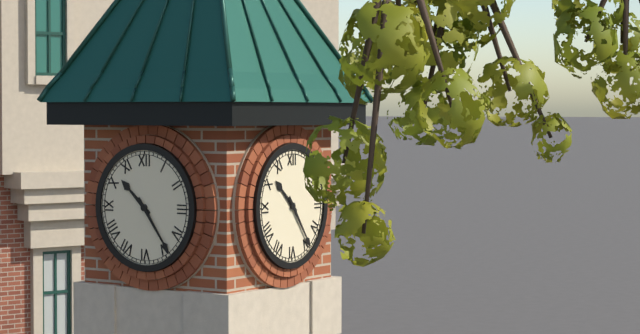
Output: h=10 m=24
